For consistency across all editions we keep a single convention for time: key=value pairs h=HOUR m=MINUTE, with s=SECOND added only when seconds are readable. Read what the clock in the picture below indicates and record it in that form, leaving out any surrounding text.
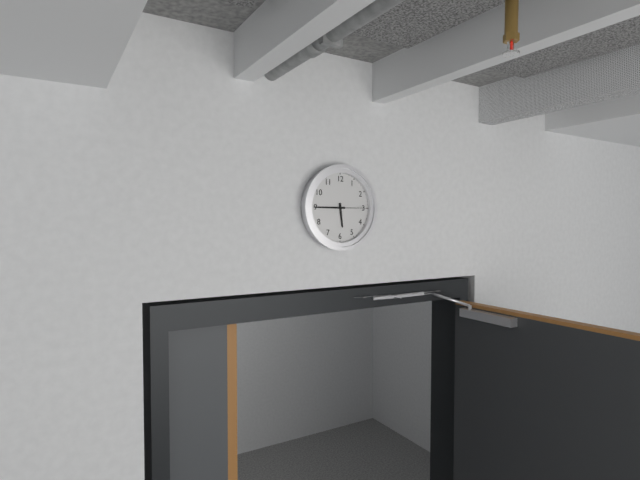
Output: h=5 m=45
